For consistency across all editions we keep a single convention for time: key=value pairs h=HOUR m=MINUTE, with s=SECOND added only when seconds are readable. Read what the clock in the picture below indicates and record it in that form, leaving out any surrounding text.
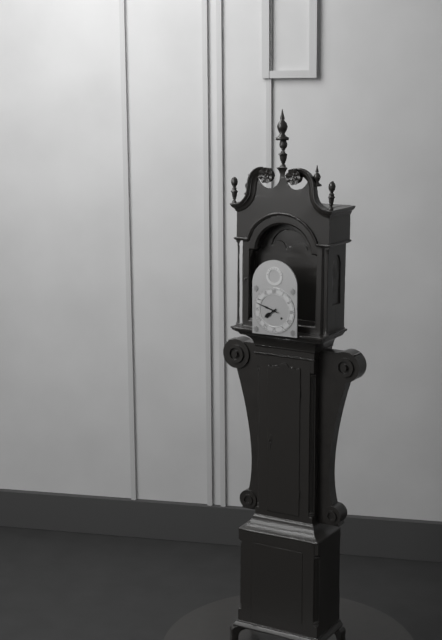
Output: h=7 m=48
